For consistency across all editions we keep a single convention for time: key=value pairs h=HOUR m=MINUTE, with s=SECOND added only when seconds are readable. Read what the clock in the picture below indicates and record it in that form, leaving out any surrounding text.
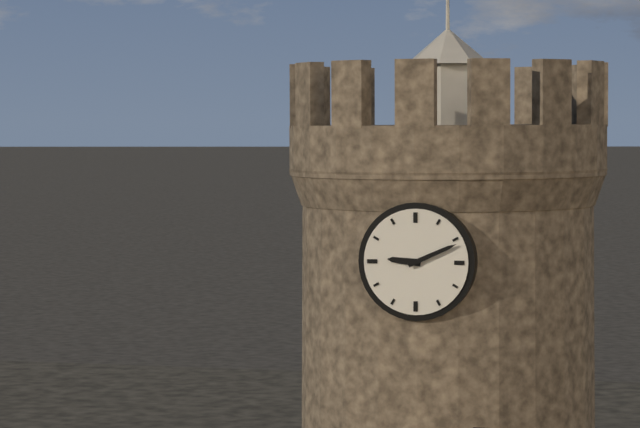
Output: h=9 m=11
